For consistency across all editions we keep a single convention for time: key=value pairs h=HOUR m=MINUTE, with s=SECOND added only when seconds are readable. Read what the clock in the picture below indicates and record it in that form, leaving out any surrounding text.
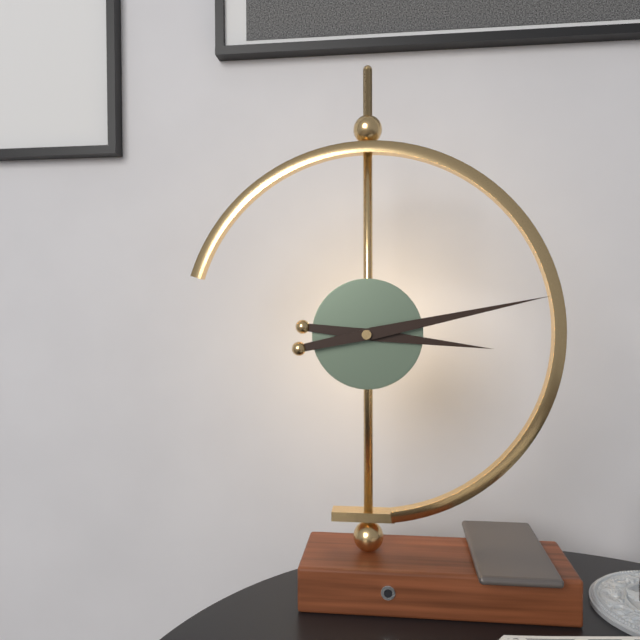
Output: h=3 m=13
